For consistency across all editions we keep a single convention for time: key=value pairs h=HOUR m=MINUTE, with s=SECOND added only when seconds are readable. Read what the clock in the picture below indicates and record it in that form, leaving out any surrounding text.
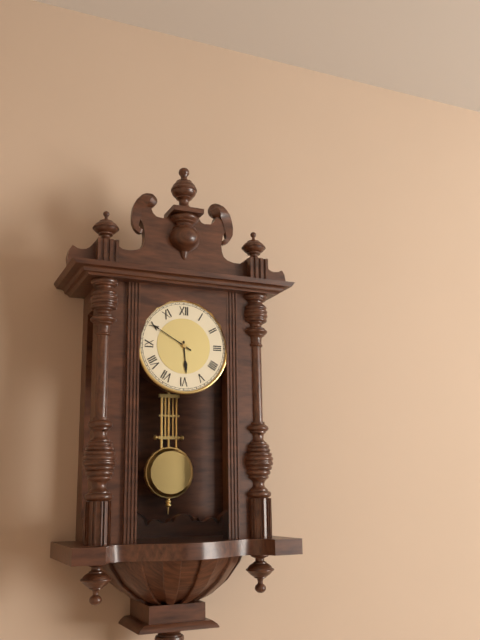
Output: h=5 m=50
